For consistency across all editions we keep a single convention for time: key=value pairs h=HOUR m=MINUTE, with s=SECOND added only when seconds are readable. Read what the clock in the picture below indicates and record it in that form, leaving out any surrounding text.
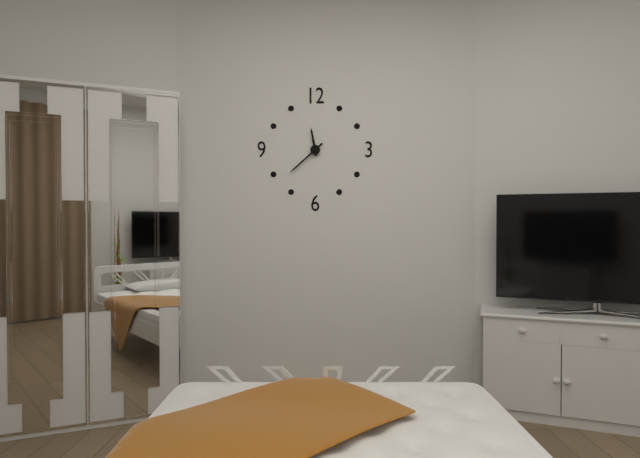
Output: h=11 m=38
